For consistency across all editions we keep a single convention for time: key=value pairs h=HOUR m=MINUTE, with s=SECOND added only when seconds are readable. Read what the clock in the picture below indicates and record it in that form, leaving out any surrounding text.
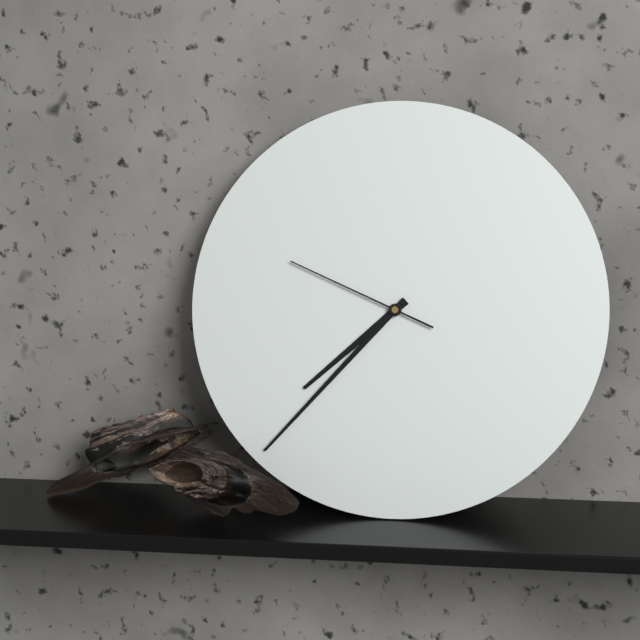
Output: h=7 m=37 s=49
